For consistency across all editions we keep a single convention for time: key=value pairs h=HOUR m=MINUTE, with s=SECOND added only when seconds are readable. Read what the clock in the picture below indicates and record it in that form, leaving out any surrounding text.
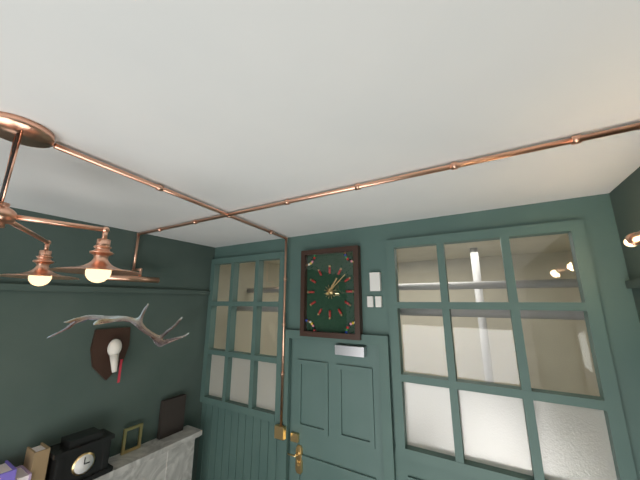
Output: h=1 m=8
